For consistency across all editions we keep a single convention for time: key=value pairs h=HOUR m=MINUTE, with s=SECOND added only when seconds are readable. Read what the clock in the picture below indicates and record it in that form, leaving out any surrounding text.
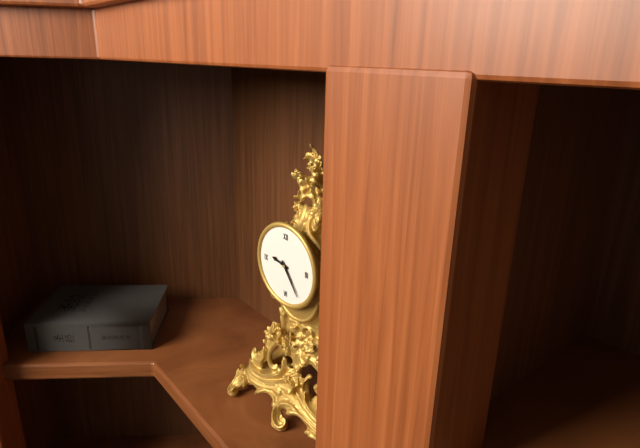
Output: h=9 m=24
